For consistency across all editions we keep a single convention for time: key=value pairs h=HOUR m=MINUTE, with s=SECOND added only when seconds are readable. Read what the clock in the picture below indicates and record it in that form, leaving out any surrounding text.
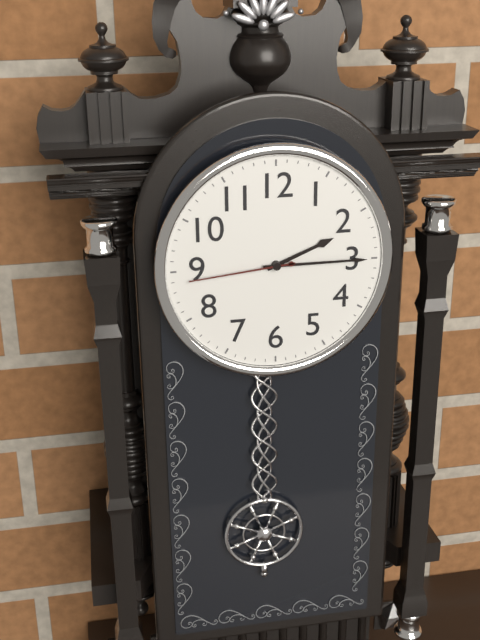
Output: h=2 m=15 s=44
